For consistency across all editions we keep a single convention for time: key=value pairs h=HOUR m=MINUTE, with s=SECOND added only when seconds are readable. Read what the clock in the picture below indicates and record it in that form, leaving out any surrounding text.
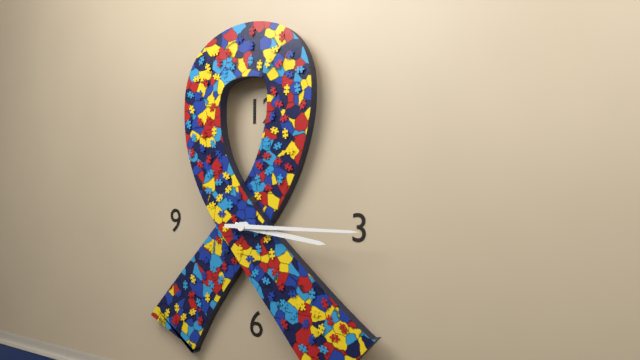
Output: h=3 m=15
